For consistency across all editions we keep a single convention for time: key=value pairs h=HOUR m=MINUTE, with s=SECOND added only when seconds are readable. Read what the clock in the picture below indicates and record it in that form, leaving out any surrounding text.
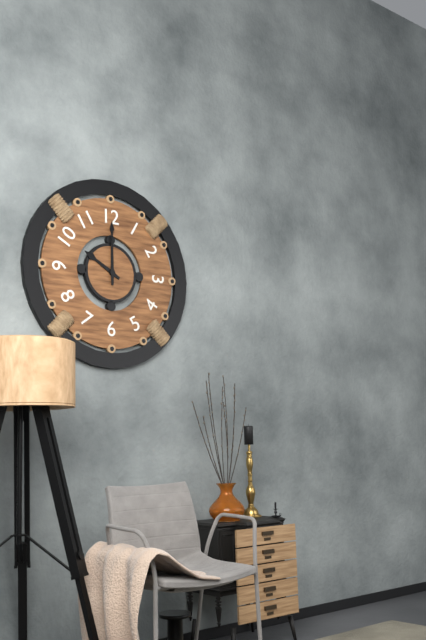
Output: h=10 m=0
